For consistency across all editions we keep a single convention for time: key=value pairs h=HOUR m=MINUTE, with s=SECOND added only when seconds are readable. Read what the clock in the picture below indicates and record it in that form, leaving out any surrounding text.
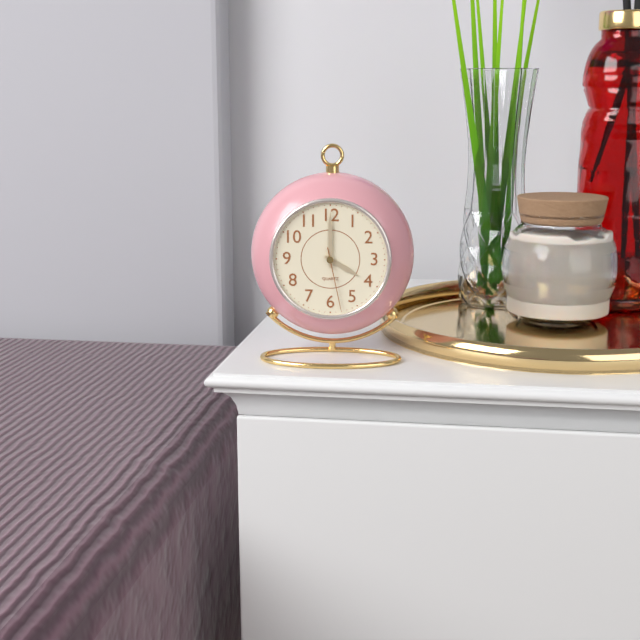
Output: h=4 m=0 s=28
